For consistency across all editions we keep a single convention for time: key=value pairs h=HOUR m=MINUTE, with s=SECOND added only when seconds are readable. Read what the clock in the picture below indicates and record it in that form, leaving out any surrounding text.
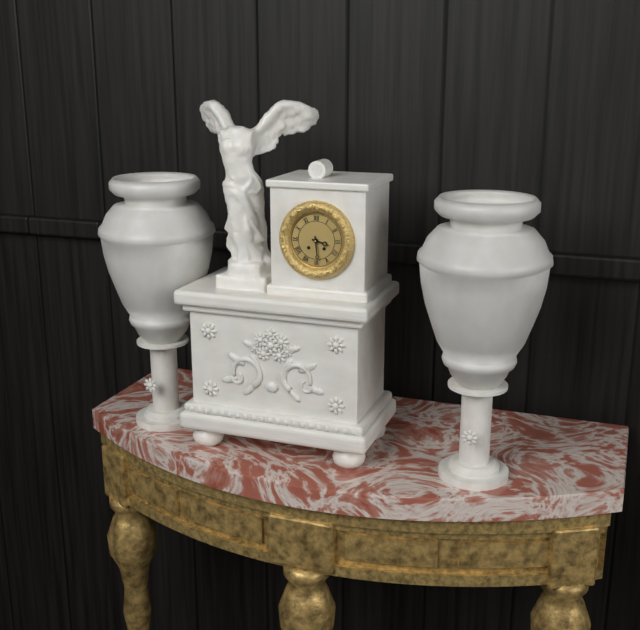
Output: h=3 m=29
